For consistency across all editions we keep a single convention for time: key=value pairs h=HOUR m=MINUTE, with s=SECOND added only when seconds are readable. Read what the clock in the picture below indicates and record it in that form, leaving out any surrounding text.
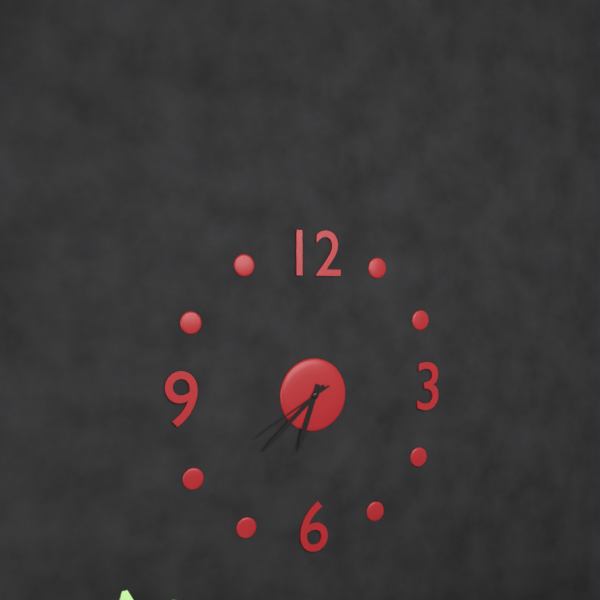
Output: h=6 m=38 s=40
